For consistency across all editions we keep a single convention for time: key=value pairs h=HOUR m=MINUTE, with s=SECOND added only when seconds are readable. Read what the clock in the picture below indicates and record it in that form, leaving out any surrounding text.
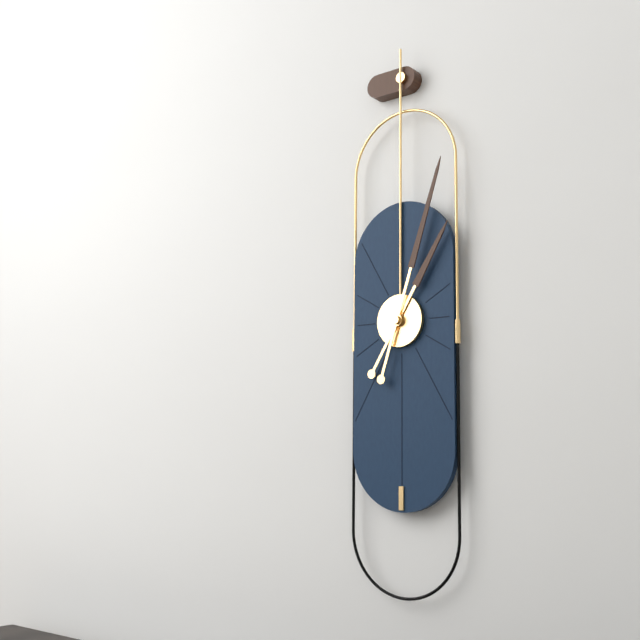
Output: h=1 m=3
